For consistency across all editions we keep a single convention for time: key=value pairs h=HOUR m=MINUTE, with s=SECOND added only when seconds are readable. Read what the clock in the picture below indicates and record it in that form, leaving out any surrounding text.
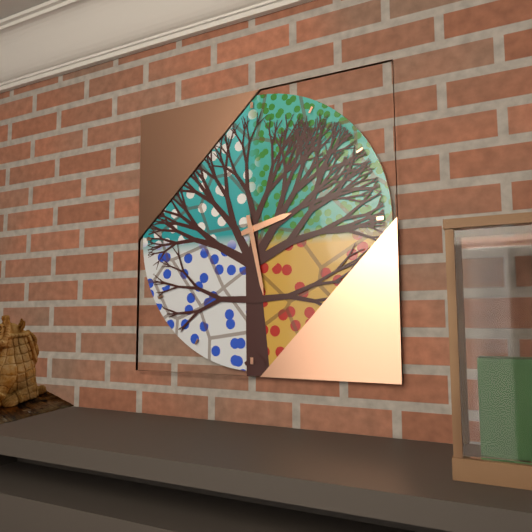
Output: h=2 m=28
